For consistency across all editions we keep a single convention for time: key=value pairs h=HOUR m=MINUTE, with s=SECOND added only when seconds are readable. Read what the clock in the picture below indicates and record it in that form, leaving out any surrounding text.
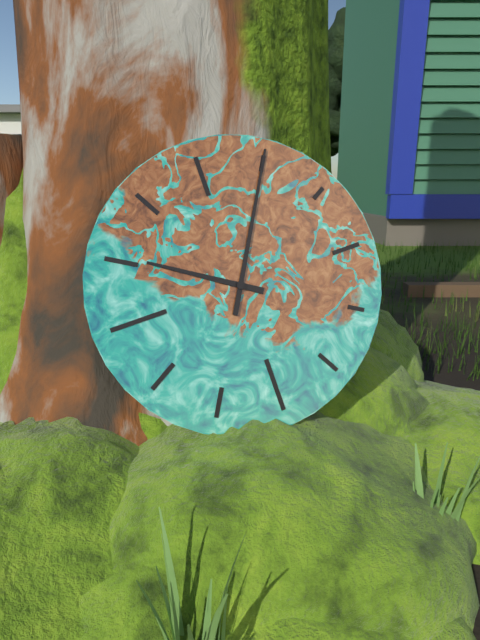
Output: h=10 m=5
